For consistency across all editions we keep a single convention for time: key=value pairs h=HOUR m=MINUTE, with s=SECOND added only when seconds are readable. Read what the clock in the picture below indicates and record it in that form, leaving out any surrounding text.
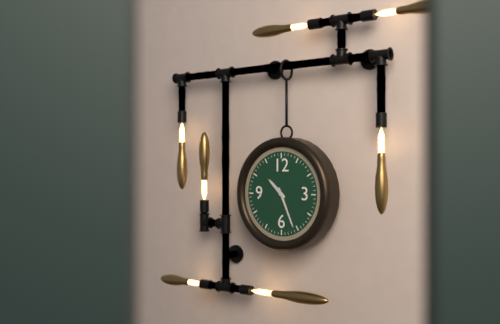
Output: h=10 m=26
